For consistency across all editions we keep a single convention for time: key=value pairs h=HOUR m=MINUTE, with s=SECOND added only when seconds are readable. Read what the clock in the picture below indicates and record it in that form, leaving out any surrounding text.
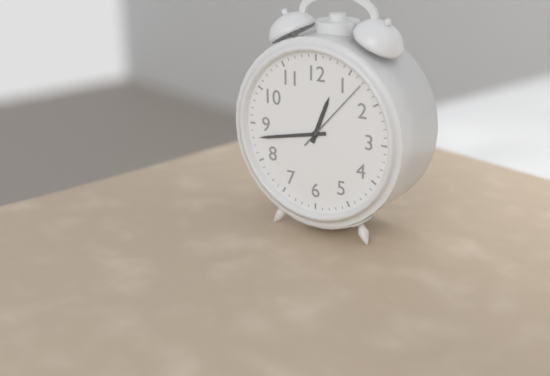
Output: h=12 m=43 s=7
